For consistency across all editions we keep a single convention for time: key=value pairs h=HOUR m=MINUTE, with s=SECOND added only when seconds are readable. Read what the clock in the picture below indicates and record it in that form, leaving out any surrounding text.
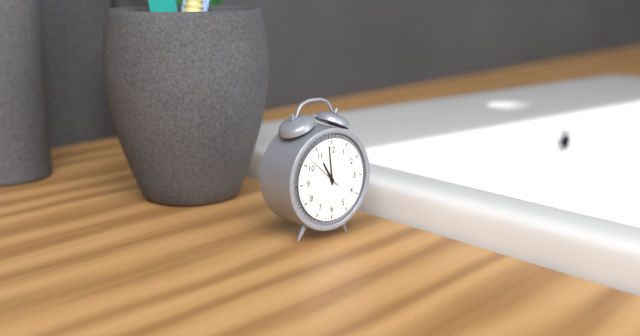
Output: h=10 m=59
